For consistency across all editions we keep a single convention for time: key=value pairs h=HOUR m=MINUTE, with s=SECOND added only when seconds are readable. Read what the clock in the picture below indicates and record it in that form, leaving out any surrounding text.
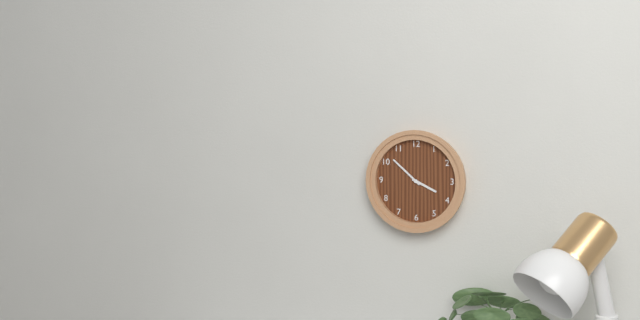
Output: h=3 m=52
